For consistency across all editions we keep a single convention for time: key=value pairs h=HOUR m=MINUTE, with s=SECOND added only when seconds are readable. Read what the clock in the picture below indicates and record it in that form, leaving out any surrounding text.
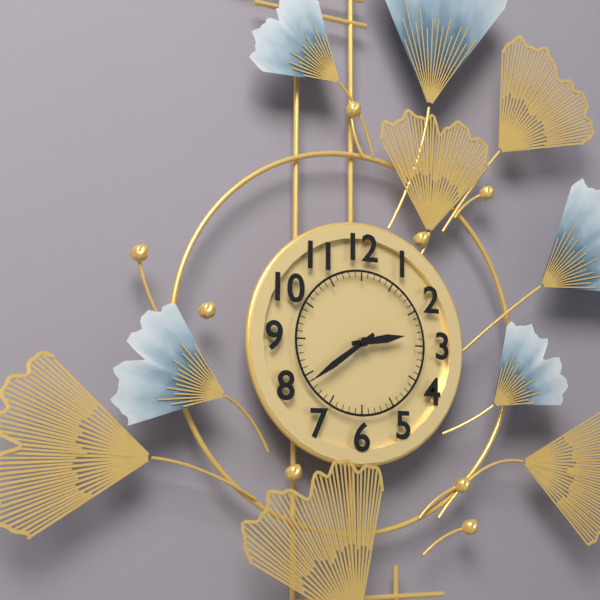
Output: h=2 m=39
